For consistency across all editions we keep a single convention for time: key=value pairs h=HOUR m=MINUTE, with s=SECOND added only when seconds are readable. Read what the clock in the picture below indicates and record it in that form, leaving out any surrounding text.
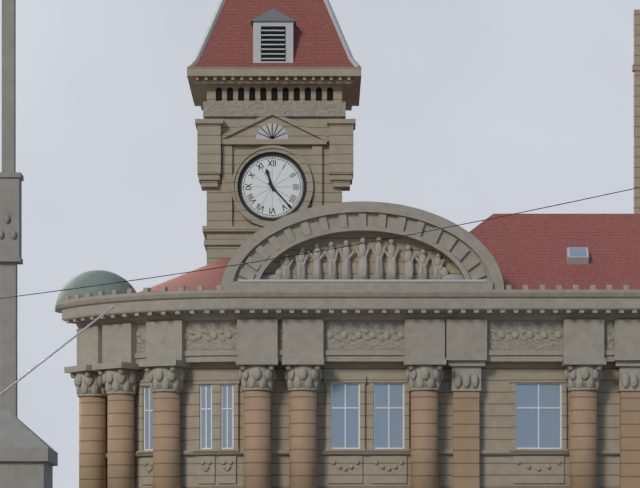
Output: h=11 m=23
